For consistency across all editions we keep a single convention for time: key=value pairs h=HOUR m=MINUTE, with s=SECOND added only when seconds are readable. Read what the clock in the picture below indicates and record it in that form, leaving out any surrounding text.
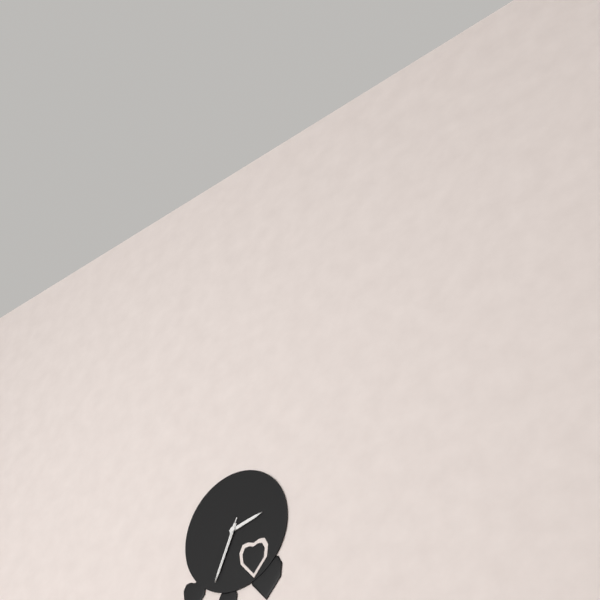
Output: h=2 m=34 s=34
